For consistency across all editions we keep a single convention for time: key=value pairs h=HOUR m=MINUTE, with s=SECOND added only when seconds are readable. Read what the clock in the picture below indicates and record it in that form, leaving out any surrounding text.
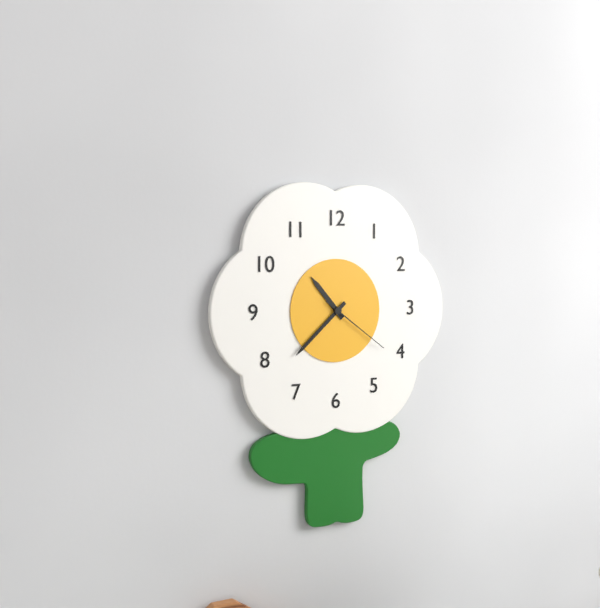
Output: h=10 m=38 s=21
